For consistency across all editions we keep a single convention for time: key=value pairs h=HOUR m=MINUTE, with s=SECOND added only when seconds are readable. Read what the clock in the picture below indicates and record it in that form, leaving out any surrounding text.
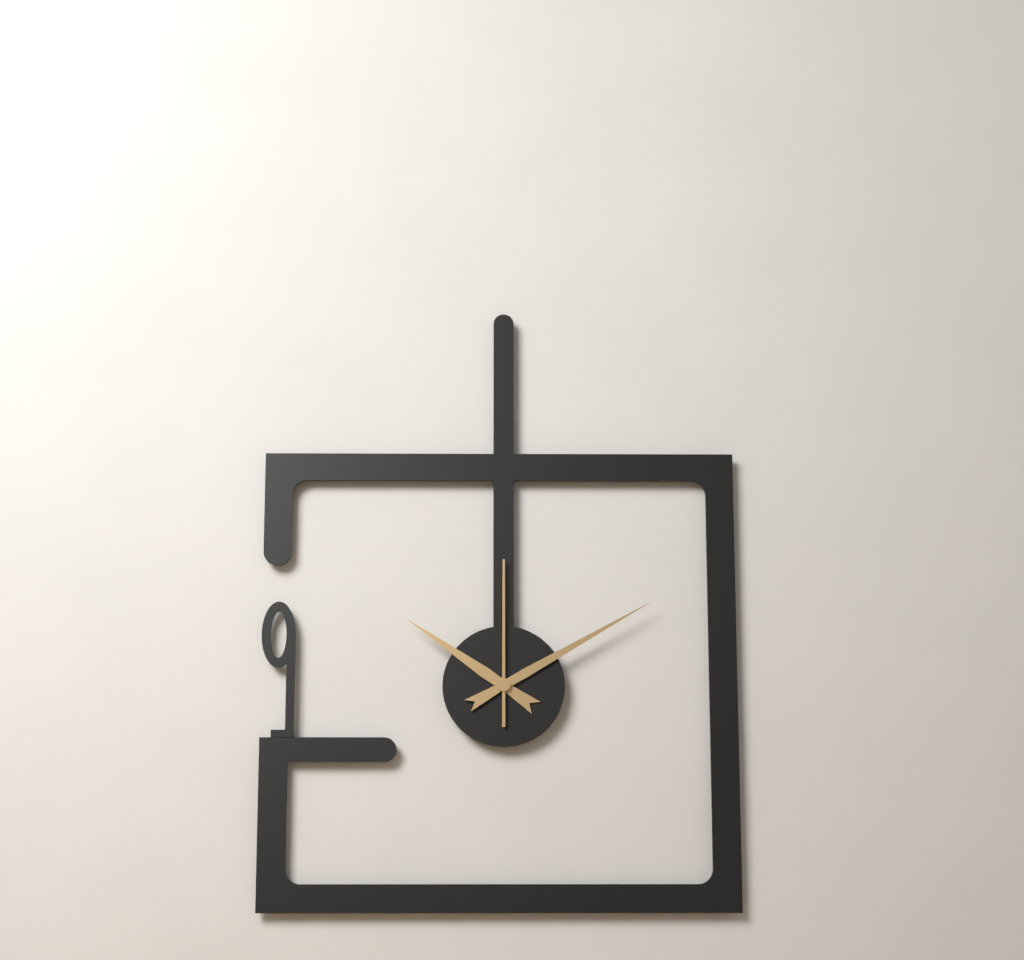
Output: h=10 m=10 s=0
